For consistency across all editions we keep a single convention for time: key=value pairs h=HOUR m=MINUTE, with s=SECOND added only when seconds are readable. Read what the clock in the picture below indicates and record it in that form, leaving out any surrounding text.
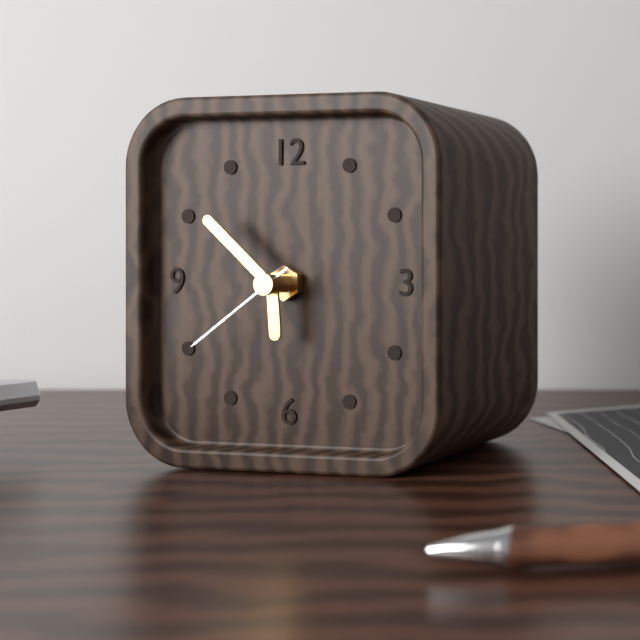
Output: h=5 m=52 s=39
